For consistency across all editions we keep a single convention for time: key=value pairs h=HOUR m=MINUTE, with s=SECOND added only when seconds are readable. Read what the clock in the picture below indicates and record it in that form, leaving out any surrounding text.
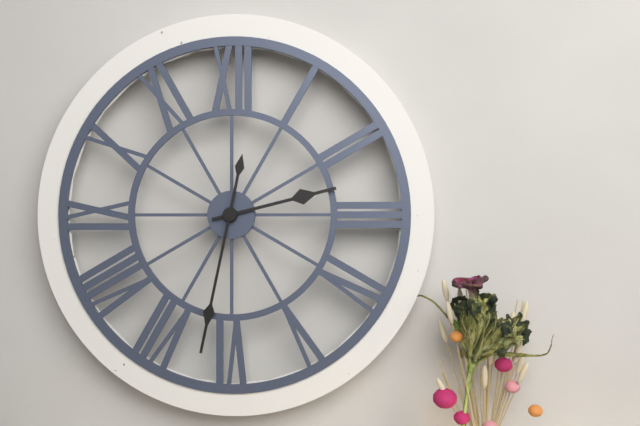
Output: h=2 m=32
